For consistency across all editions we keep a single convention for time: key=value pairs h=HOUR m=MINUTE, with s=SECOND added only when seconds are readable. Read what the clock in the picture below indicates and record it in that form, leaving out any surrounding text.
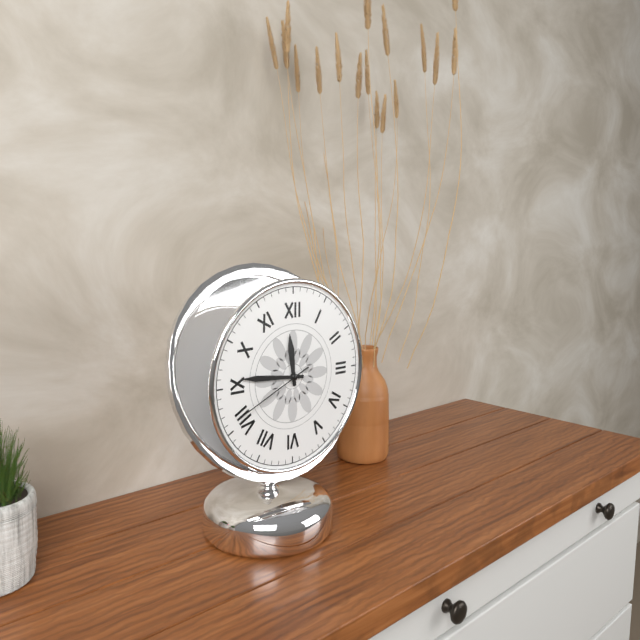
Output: h=11 m=46 s=41
